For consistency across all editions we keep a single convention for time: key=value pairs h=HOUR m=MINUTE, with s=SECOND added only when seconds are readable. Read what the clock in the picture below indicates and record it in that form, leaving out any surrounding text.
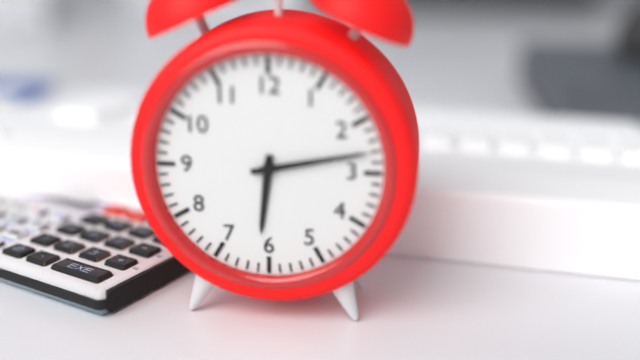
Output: h=6 m=13
